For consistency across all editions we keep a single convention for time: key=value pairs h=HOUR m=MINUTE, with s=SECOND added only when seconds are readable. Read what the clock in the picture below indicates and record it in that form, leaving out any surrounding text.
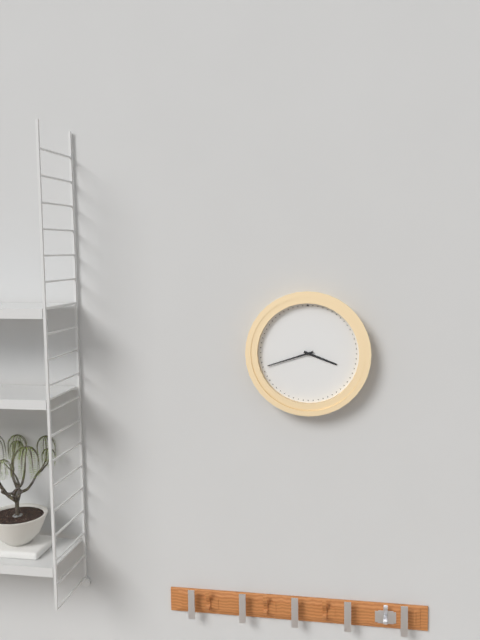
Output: h=3 m=42
